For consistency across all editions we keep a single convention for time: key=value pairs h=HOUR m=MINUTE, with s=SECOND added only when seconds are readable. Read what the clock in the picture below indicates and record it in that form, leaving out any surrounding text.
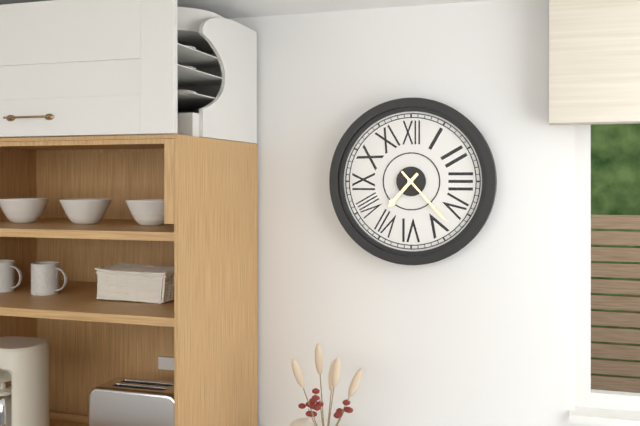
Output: h=7 m=23
